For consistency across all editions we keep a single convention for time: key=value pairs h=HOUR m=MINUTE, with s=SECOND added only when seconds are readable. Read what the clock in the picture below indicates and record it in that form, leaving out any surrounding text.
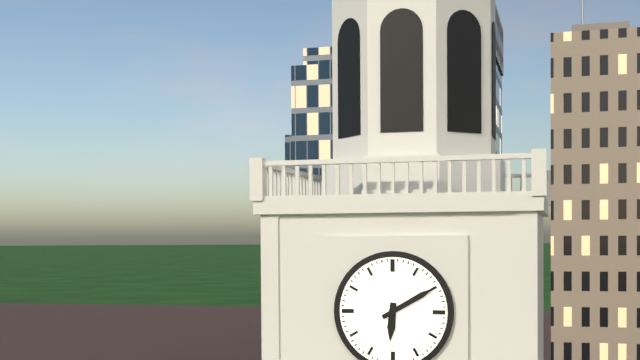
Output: h=6 m=10
